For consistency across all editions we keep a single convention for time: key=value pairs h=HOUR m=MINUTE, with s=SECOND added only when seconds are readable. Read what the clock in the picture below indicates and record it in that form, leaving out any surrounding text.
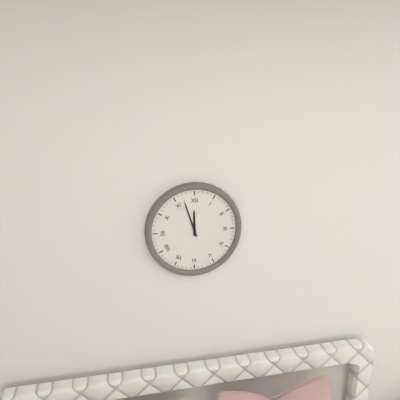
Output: h=11 m=57
